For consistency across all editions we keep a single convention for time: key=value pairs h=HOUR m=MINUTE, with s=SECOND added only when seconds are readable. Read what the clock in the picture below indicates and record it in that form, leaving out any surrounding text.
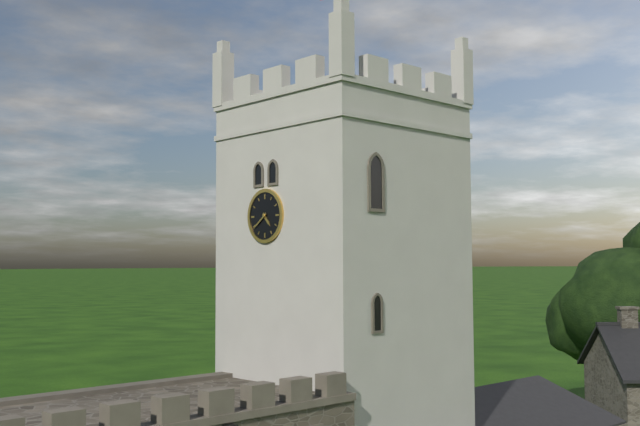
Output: h=4 m=39
